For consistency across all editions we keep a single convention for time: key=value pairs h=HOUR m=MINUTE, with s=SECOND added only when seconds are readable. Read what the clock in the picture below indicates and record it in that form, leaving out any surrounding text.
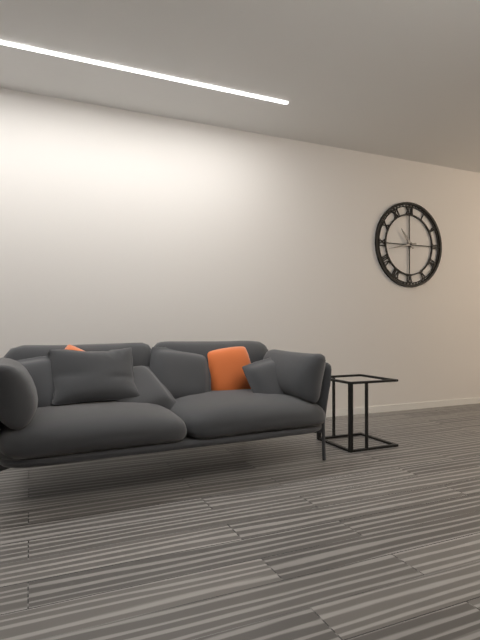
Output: h=10 m=43
